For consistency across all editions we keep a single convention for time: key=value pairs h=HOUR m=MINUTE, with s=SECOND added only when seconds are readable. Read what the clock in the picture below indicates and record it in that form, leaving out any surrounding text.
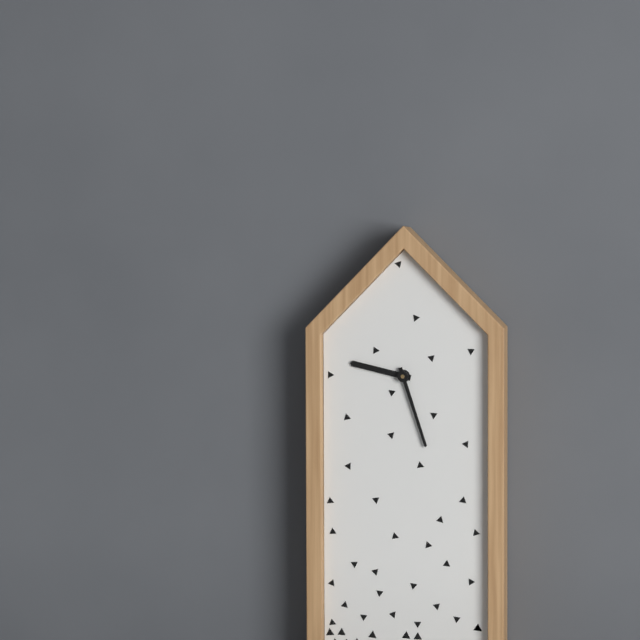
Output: h=9 m=27
